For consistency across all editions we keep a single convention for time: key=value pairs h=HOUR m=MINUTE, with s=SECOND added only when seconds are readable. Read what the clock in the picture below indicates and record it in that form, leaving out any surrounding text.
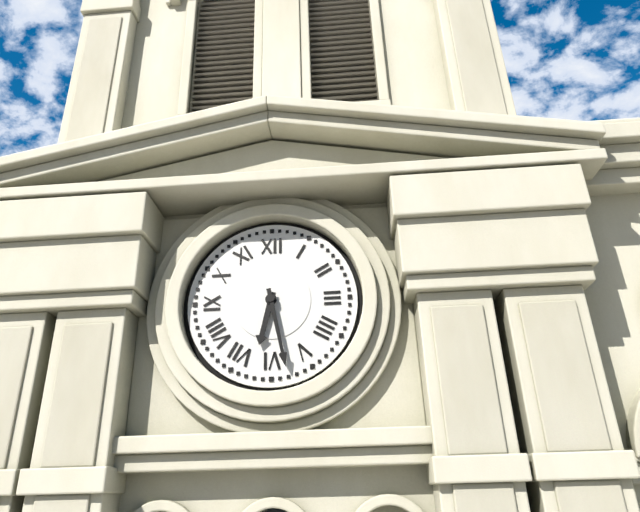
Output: h=6 m=28
